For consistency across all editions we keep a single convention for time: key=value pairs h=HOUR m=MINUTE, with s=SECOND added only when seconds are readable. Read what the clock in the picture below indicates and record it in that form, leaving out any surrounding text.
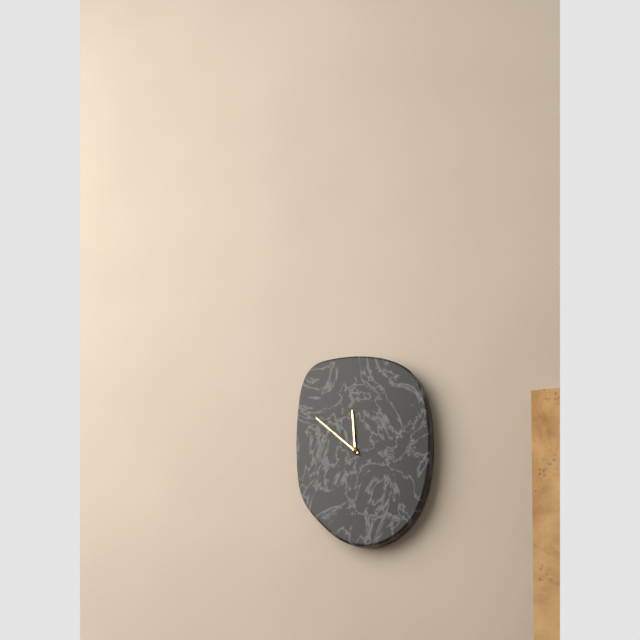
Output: h=11 m=52
